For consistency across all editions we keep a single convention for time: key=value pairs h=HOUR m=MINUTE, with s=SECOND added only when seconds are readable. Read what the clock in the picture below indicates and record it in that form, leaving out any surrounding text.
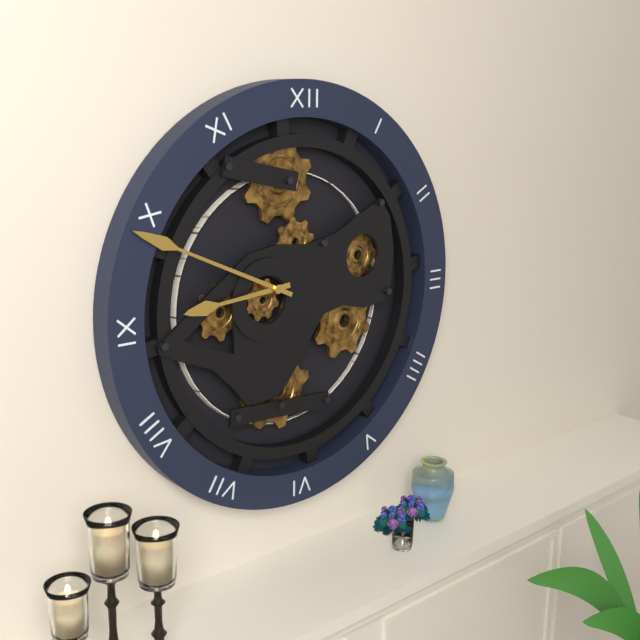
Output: h=8 m=49
